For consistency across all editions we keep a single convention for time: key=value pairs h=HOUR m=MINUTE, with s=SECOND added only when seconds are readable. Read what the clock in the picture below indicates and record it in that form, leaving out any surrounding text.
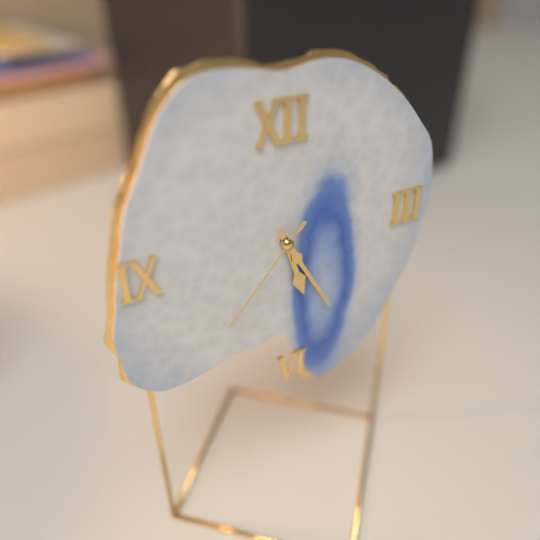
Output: h=5 m=25 s=37
